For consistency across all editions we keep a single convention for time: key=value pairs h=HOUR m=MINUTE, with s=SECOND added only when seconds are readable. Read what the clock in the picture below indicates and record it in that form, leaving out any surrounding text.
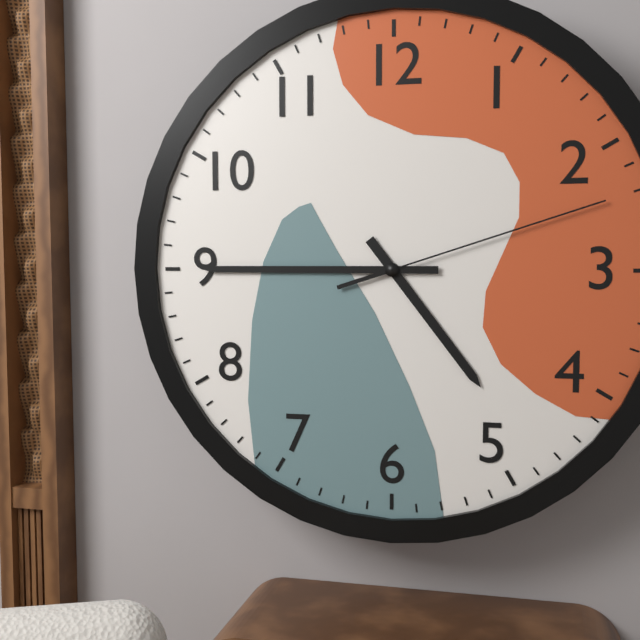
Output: h=4 m=45 s=12
